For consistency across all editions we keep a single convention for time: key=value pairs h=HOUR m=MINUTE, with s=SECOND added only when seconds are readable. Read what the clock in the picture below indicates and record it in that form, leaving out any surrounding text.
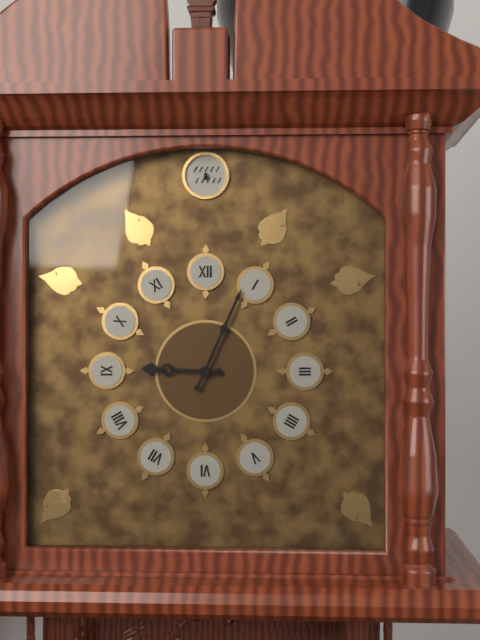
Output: h=9 m=4
